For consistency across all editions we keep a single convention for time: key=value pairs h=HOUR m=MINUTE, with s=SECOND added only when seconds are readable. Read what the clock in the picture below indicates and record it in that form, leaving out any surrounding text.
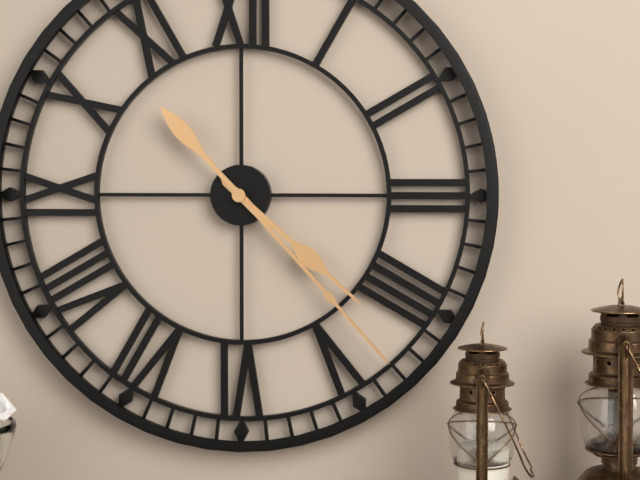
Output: h=4 m=23
